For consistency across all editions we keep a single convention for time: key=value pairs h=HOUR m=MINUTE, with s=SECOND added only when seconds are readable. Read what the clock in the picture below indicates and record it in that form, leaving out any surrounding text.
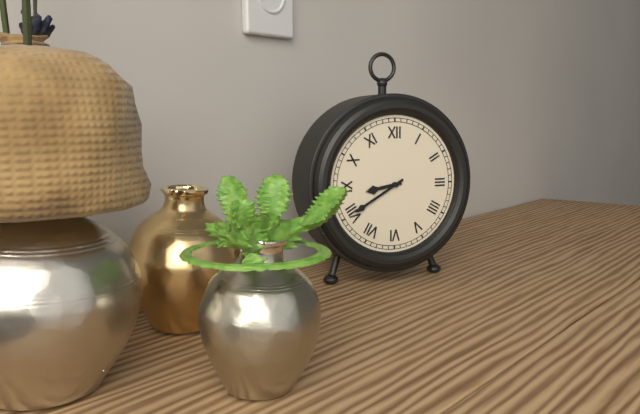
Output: h=8 m=40
